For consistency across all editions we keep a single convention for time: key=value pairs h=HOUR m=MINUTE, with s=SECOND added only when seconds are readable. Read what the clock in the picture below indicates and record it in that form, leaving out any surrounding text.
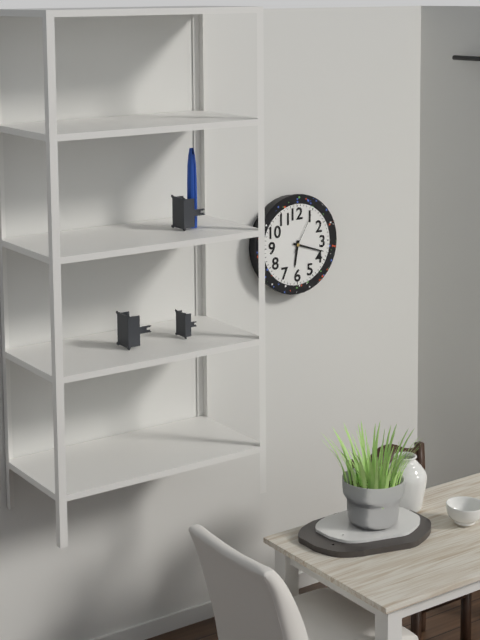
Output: h=6 m=18
